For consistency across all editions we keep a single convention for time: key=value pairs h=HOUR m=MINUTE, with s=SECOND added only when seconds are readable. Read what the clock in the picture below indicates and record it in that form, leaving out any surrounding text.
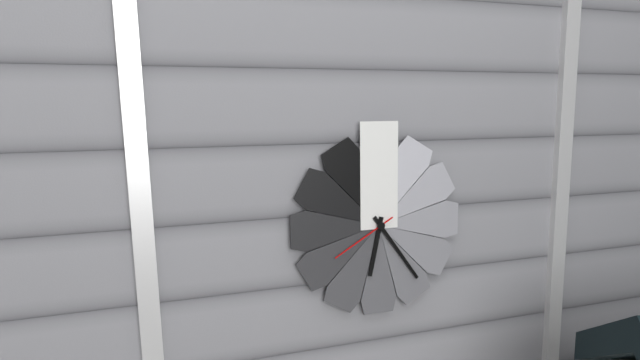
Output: h=6 m=24 s=40
